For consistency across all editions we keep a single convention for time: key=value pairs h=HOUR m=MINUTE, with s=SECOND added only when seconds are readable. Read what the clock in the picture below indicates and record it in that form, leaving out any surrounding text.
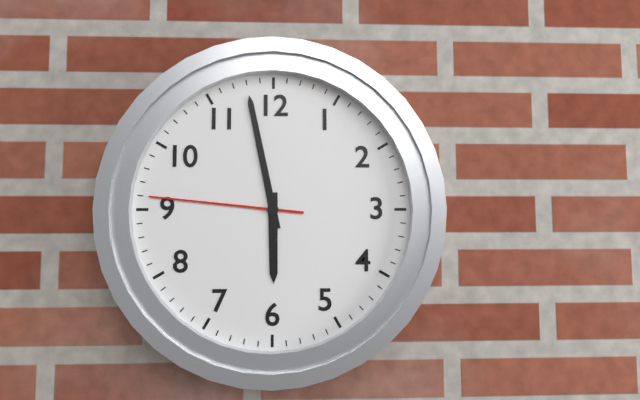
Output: h=5 m=58 s=46
